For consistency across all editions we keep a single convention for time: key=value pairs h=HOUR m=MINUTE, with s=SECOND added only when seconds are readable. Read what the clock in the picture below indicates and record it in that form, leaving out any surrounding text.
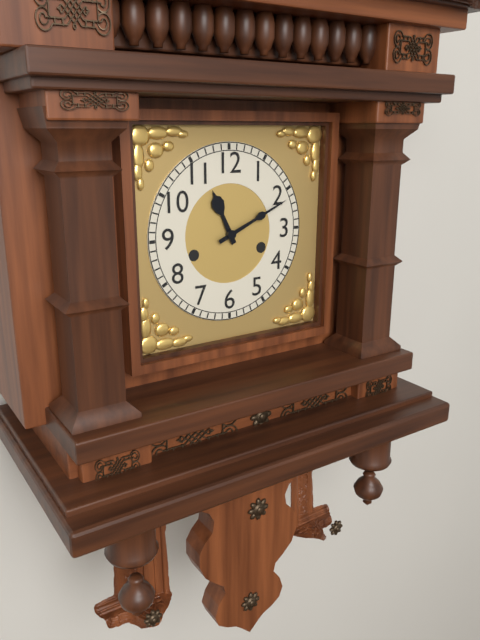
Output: h=11 m=11
